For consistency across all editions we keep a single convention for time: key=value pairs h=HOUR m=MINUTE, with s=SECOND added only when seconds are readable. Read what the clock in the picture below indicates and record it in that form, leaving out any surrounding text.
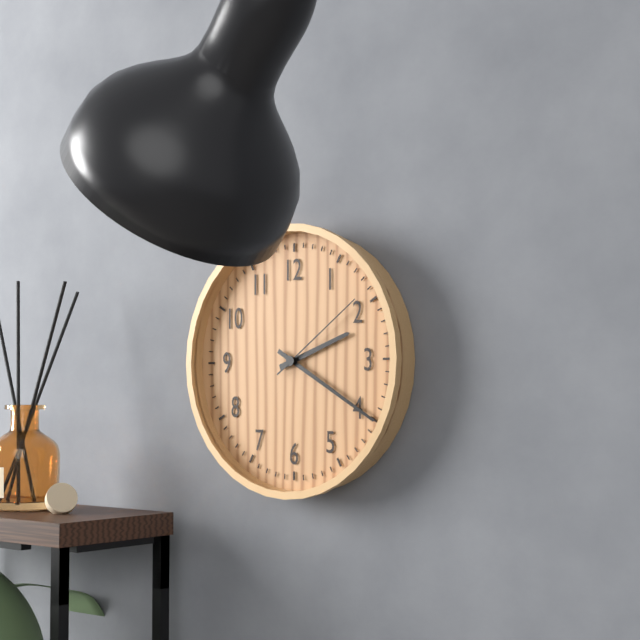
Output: h=2 m=20 s=9
